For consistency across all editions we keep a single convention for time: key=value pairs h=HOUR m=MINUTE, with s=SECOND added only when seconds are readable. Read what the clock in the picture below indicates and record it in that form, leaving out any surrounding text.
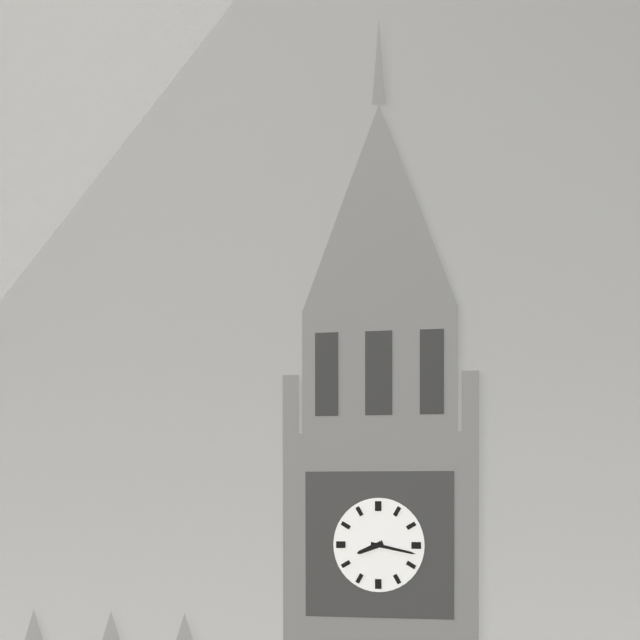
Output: h=8 m=17
